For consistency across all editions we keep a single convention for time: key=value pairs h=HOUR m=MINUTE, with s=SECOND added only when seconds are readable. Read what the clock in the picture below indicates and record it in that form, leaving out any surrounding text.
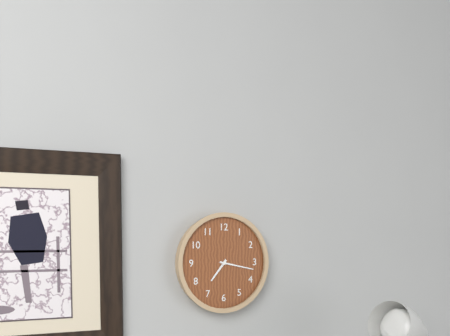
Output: h=7 m=17
